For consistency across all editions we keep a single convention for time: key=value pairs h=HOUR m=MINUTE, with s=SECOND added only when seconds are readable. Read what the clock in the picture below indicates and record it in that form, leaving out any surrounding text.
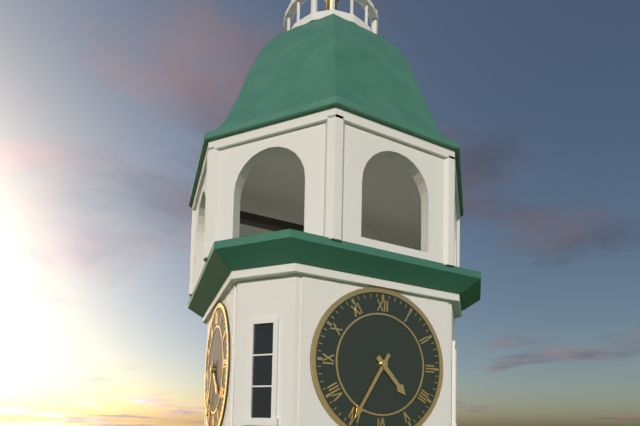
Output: h=4 m=35
